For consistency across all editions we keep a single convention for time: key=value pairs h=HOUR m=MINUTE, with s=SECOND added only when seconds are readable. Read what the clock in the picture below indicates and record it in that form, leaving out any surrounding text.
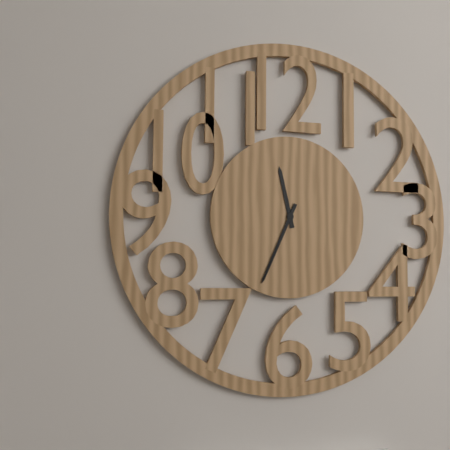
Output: h=11 m=34
